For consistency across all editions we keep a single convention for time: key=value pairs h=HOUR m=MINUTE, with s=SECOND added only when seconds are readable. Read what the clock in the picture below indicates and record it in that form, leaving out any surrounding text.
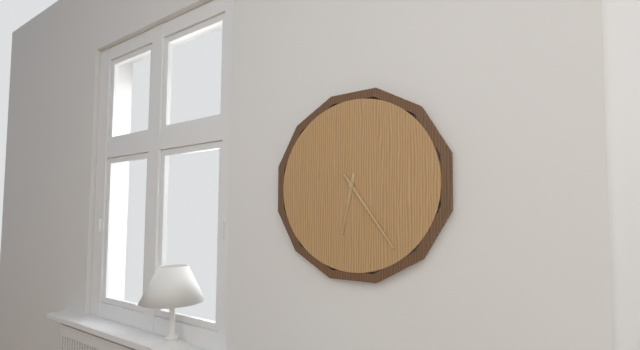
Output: h=6 m=24
